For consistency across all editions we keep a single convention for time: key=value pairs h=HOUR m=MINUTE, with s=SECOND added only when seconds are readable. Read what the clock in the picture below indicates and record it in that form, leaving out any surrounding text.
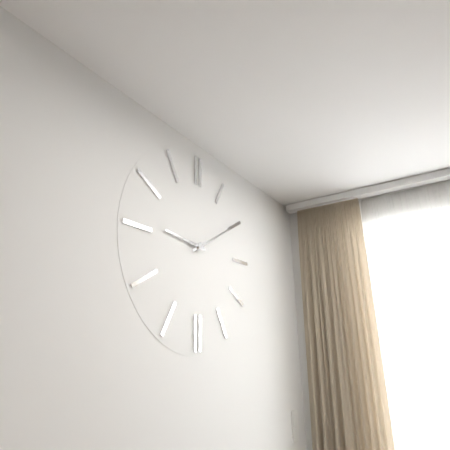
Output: h=9 m=10
